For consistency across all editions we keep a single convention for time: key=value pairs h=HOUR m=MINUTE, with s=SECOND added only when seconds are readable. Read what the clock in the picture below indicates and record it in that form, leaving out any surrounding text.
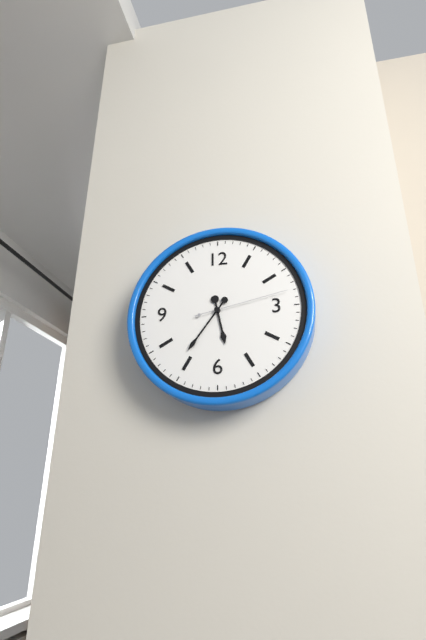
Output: h=5 m=36 s=13
